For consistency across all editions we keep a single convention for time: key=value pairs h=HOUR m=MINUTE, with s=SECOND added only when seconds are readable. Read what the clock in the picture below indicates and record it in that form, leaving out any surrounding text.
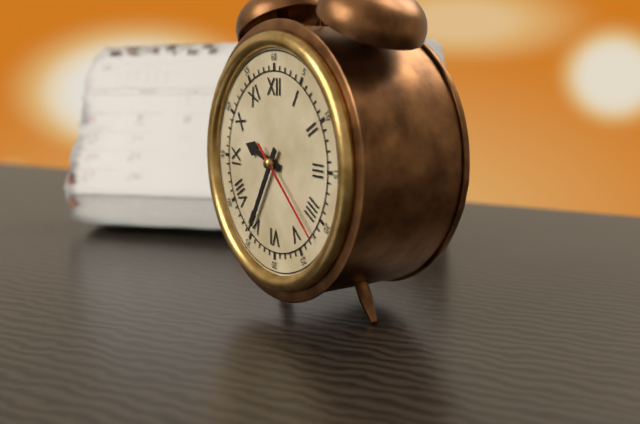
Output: h=9 m=35 s=22
